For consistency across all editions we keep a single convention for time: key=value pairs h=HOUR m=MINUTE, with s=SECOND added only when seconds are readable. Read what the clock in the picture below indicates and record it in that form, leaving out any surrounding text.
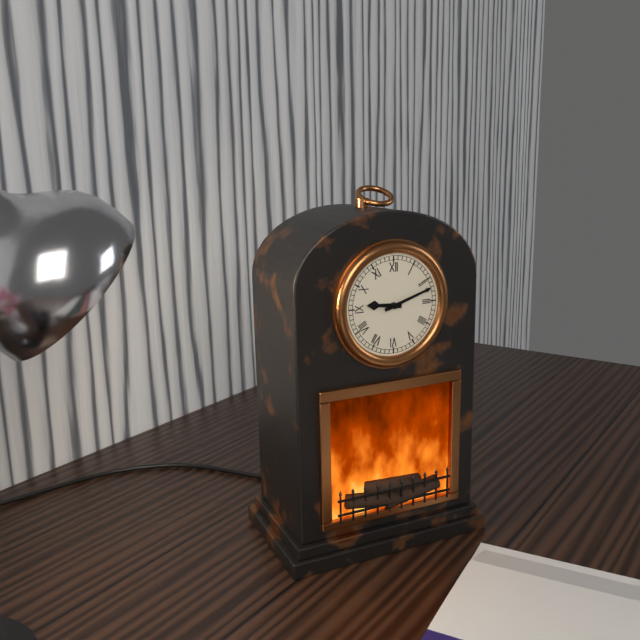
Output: h=9 m=12
